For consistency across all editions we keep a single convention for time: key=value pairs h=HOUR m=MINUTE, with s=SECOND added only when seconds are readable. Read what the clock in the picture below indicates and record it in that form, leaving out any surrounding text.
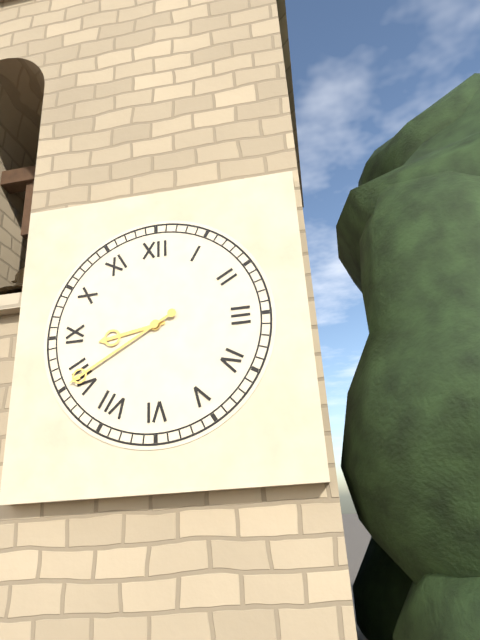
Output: h=8 m=40
